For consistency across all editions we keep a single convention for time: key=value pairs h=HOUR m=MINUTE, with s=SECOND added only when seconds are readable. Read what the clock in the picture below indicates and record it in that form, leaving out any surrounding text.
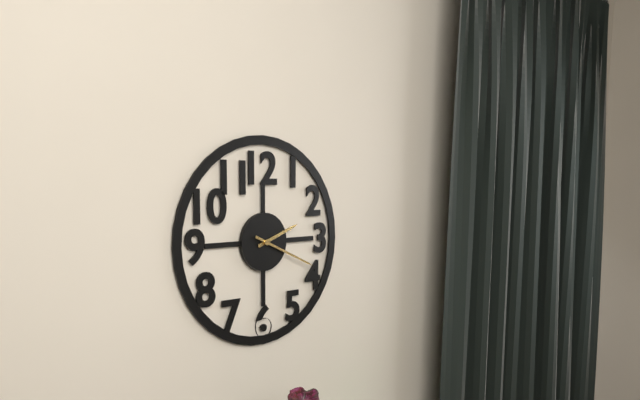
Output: h=2 m=19
